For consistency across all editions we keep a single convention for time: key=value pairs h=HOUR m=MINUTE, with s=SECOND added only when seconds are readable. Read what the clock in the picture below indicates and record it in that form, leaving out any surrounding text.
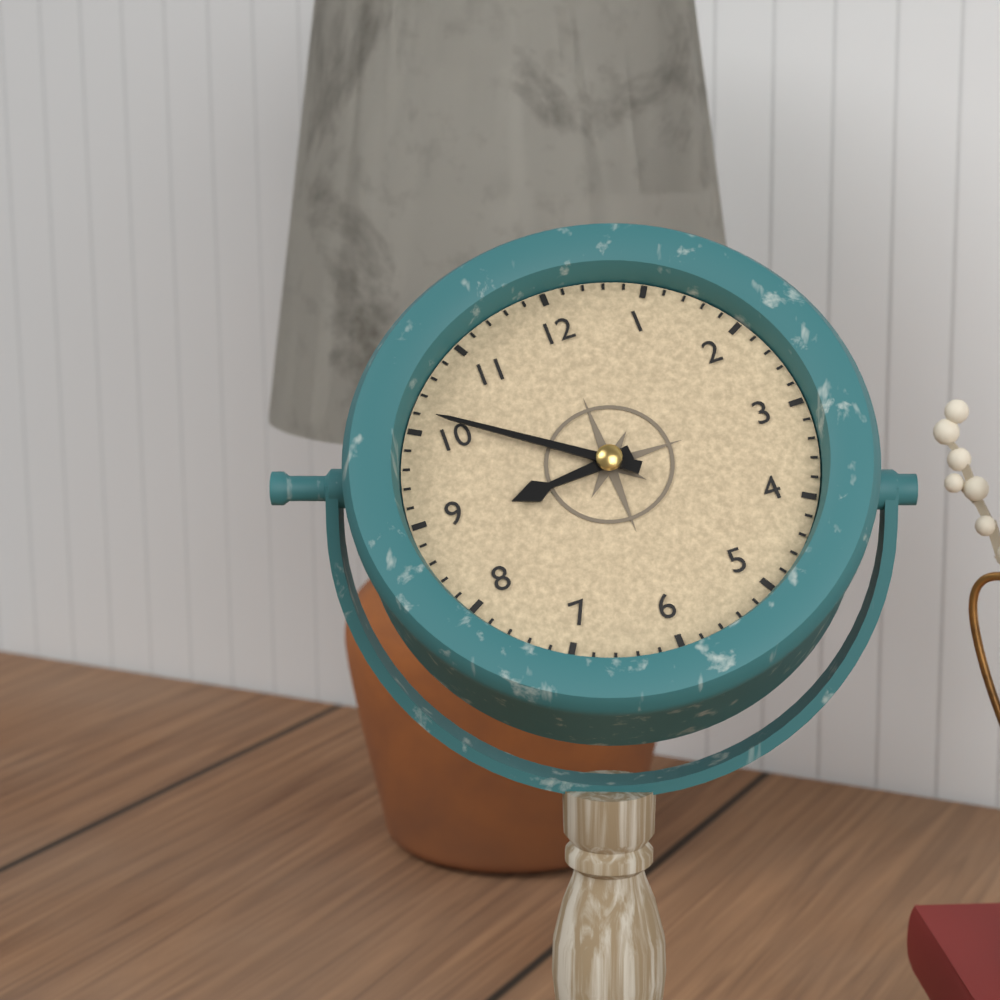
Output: h=8 m=51
